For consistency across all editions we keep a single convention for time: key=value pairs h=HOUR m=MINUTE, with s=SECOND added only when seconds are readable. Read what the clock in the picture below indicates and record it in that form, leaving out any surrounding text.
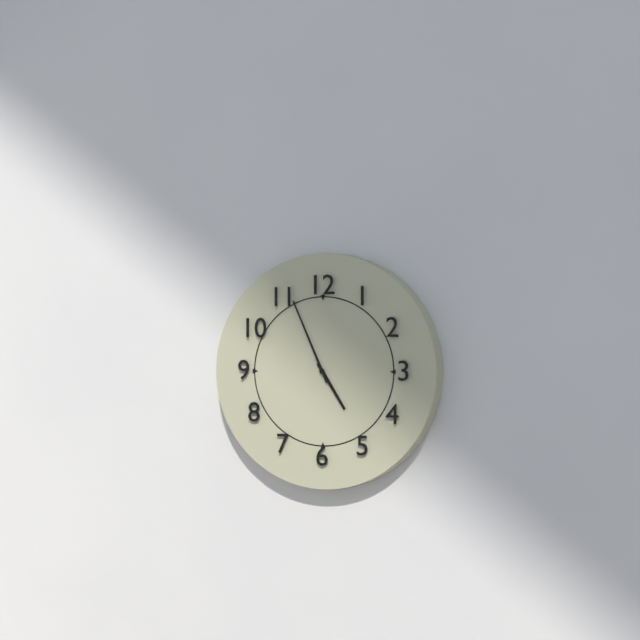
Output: h=4 m=56
